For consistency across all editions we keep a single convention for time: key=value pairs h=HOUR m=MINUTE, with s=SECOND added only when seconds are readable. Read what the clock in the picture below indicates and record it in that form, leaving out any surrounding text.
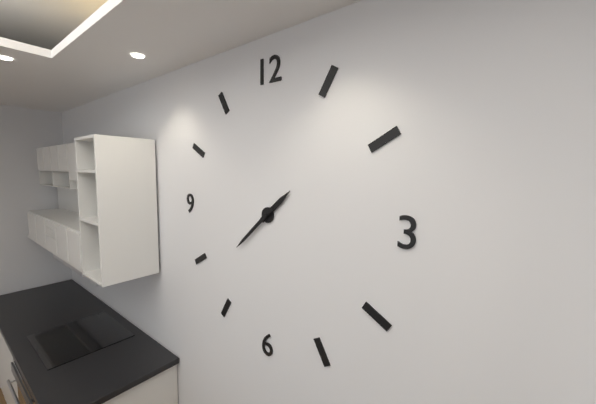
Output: h=1 m=38
